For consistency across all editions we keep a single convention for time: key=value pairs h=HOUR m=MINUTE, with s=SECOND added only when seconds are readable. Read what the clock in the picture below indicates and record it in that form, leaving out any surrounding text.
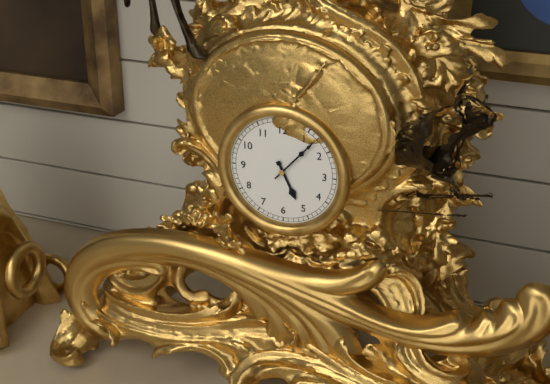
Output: h=5 m=7
